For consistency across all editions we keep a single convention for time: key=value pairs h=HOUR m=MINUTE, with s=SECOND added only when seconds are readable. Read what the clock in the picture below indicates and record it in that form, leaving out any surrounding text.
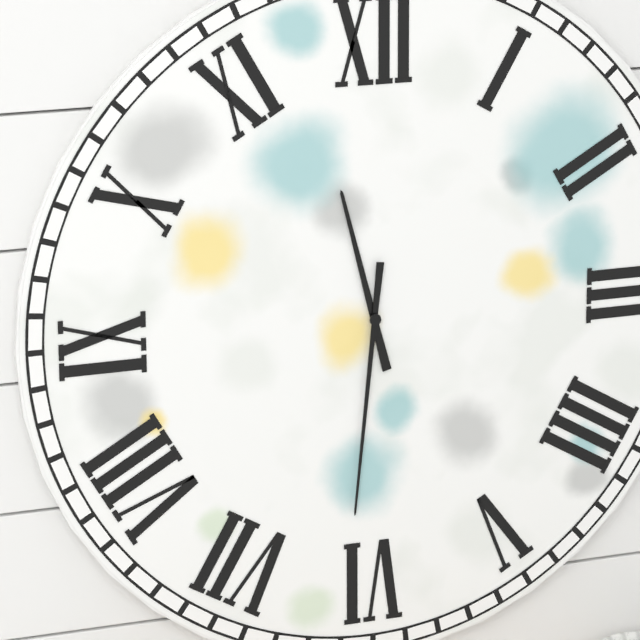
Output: h=11 m=31
